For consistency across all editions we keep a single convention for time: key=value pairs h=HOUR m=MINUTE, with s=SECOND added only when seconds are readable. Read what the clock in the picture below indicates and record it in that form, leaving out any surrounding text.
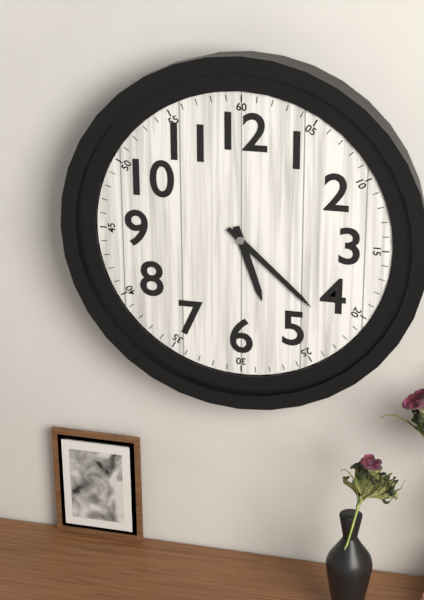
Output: h=5 m=22
